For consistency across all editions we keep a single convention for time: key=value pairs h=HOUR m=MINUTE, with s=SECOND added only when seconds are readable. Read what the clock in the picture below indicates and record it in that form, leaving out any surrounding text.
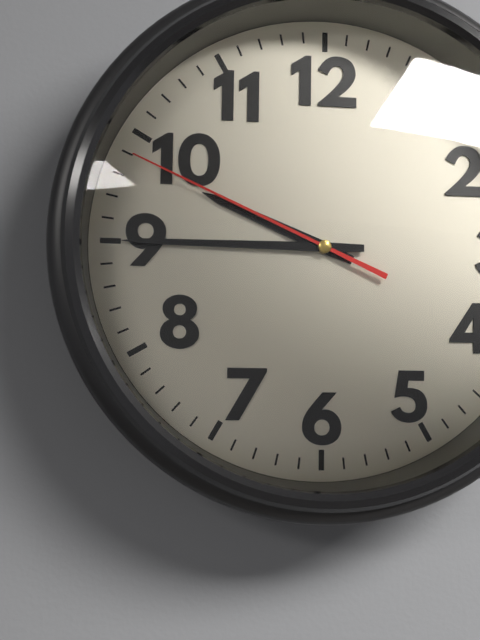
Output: h=9 m=45 s=49
